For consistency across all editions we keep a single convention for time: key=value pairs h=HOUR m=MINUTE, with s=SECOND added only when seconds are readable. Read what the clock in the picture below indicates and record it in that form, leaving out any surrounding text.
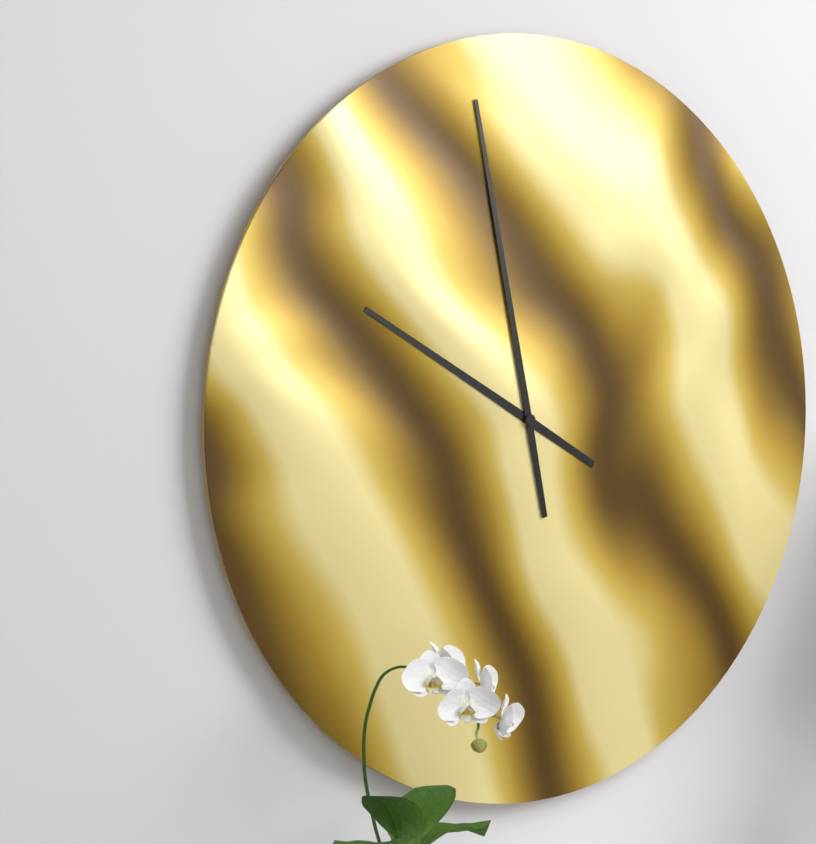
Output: h=9 m=58
